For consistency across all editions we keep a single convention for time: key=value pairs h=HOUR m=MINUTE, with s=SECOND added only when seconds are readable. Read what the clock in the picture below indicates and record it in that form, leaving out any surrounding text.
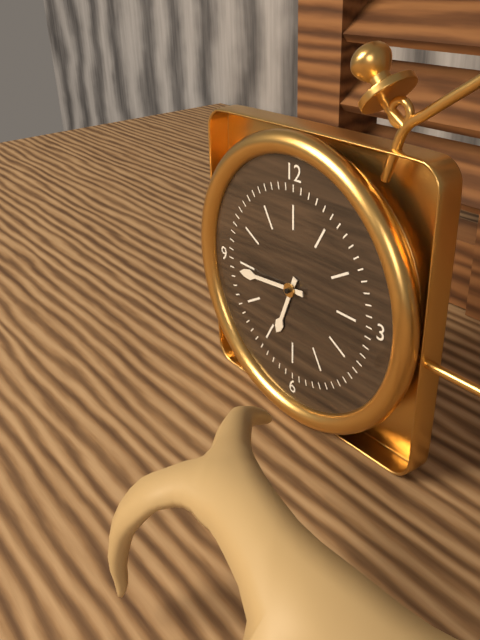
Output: h=6 m=44
